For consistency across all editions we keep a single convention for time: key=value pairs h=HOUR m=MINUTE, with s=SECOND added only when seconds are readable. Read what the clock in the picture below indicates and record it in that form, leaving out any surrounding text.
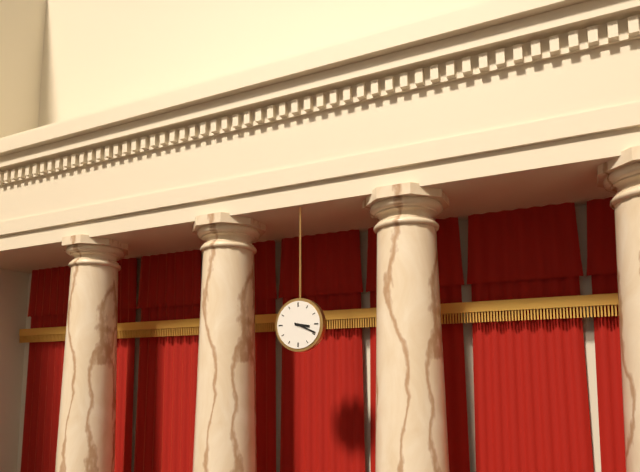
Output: h=3 m=19
